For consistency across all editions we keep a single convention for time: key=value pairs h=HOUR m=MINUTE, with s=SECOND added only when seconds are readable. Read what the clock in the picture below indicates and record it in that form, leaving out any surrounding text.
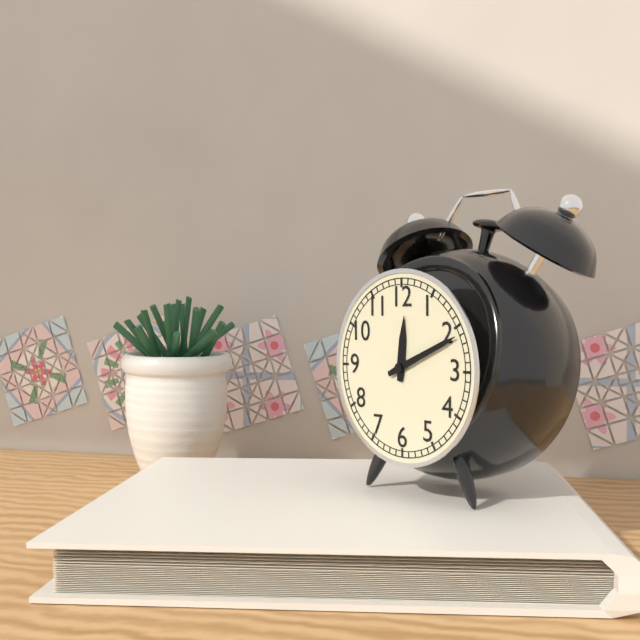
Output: h=12 m=11
